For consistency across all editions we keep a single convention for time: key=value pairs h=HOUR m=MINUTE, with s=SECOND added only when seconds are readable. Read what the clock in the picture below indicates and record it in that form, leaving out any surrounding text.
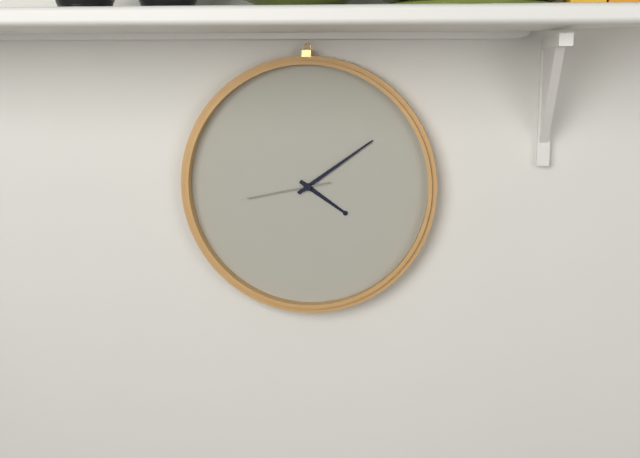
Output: h=4 m=9 s=43
